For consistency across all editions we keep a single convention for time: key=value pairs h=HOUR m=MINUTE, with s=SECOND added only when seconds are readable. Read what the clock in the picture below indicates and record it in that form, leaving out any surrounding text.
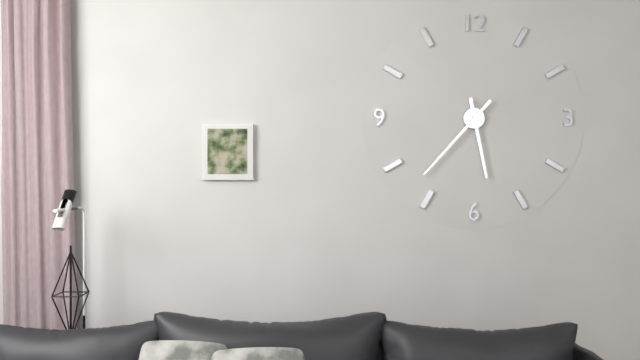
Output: h=5 m=37
